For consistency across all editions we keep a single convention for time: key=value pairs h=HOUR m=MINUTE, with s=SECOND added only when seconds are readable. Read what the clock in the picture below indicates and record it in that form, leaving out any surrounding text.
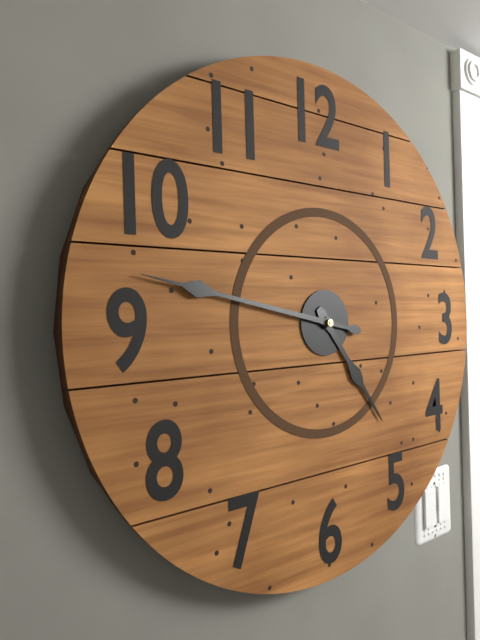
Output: h=4 m=47
